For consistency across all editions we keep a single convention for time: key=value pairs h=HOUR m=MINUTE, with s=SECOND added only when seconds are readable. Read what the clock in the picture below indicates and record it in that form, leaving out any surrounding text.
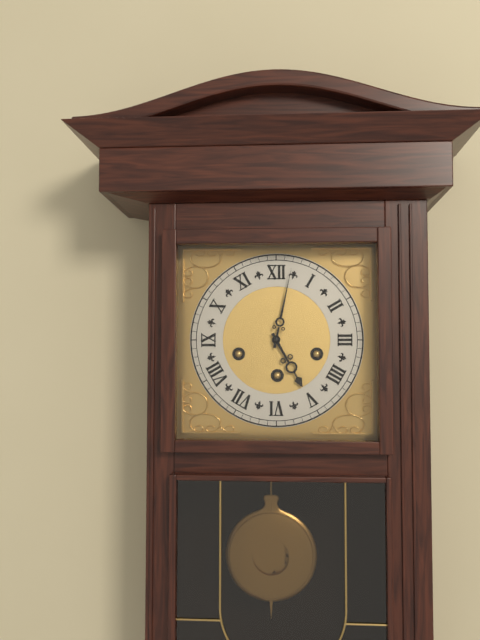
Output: h=5 m=2
